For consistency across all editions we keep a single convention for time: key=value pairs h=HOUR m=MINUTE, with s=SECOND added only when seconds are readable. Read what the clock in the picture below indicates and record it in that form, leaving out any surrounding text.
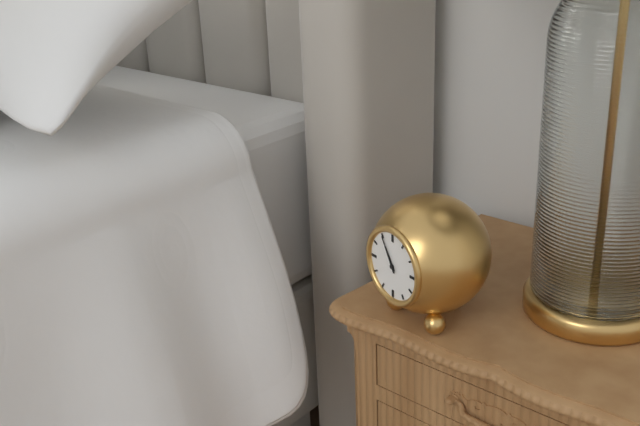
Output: h=10 m=55
